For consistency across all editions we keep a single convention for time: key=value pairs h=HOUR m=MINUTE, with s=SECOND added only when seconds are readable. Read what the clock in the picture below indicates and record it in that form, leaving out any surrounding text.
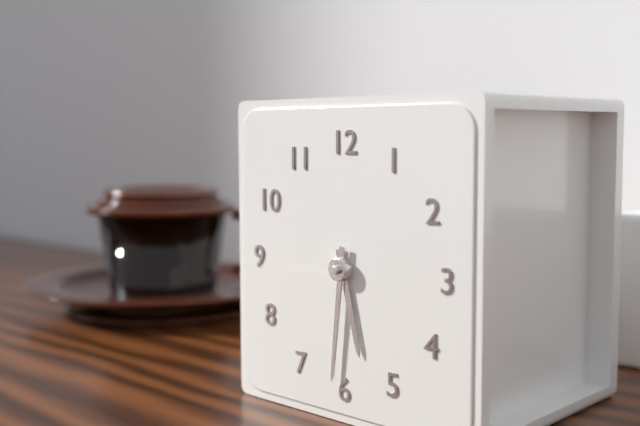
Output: h=5 m=31
